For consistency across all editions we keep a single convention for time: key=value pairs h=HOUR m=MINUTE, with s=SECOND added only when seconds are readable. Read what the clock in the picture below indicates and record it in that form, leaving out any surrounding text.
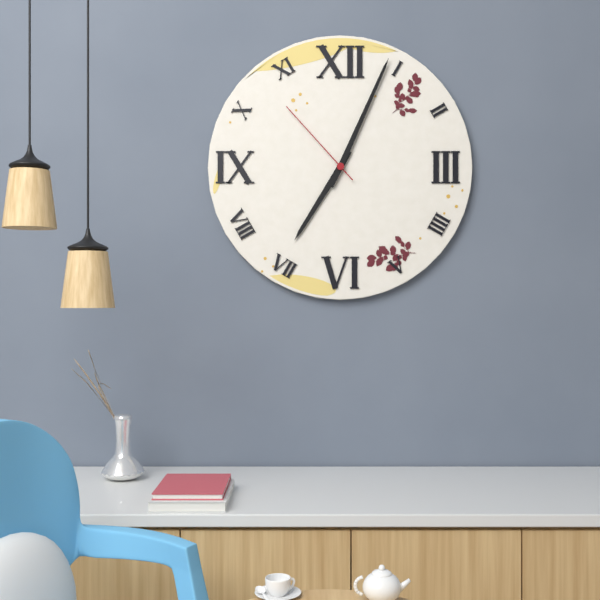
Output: h=7 m=4 s=53
